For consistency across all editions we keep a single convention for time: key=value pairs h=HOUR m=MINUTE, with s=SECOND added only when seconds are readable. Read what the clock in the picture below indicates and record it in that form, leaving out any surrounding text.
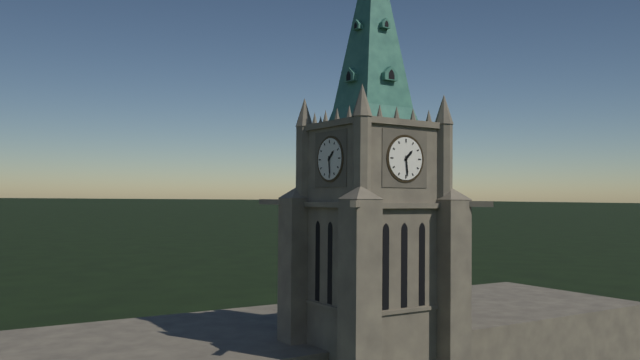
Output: h=1 m=29
